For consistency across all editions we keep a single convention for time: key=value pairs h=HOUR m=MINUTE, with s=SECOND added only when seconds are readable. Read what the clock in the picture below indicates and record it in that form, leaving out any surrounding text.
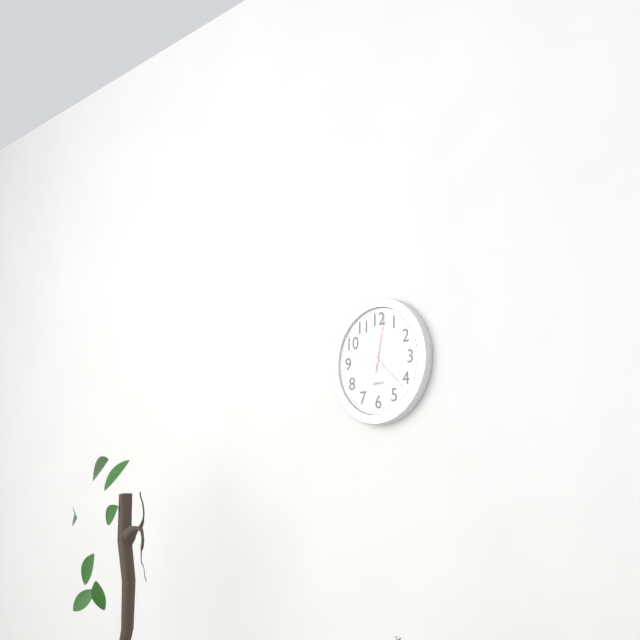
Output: h=9 m=22 s=2
